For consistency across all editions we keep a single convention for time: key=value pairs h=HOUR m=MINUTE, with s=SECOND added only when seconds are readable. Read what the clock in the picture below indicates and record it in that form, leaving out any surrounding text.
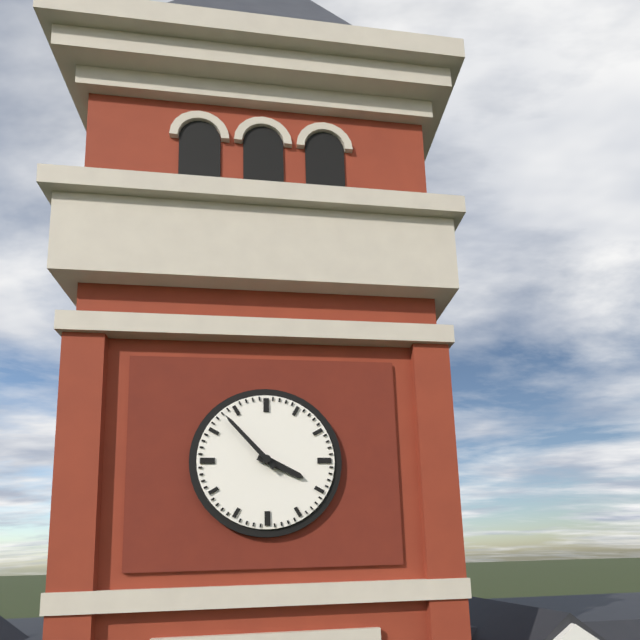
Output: h=3 m=53
